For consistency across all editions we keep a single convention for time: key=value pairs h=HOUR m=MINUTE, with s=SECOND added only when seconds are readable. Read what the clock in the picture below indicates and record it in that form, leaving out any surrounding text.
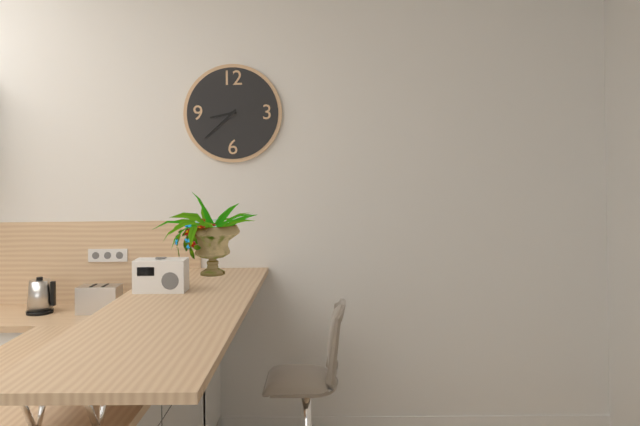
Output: h=8 m=38
